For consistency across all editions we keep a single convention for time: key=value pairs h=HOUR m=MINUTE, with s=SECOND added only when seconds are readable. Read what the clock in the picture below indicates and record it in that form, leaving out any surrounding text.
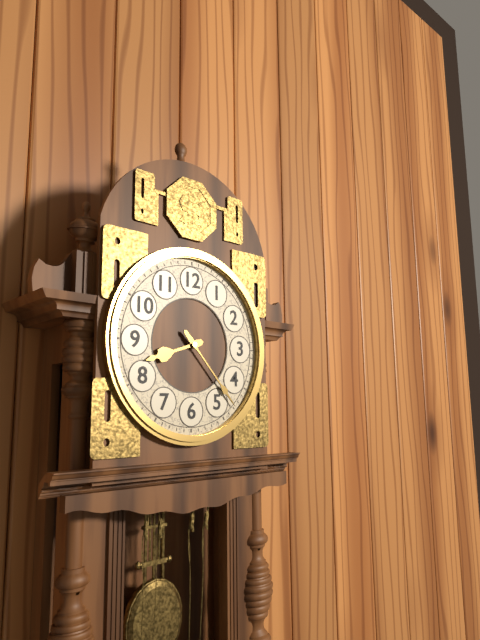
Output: h=8 m=23
